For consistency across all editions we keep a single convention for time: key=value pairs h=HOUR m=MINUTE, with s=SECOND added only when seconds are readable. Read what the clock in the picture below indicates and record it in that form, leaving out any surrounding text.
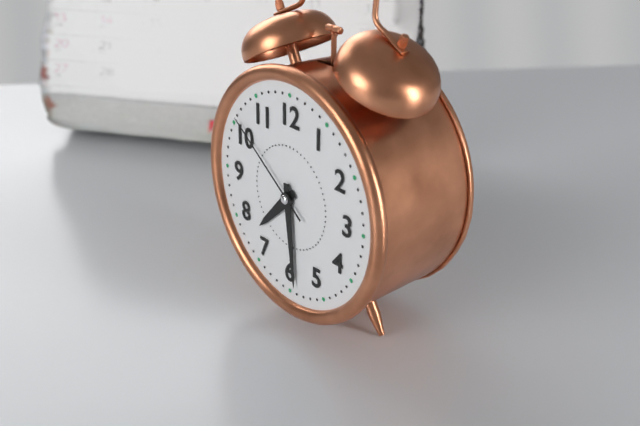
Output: h=7 m=29 s=51
